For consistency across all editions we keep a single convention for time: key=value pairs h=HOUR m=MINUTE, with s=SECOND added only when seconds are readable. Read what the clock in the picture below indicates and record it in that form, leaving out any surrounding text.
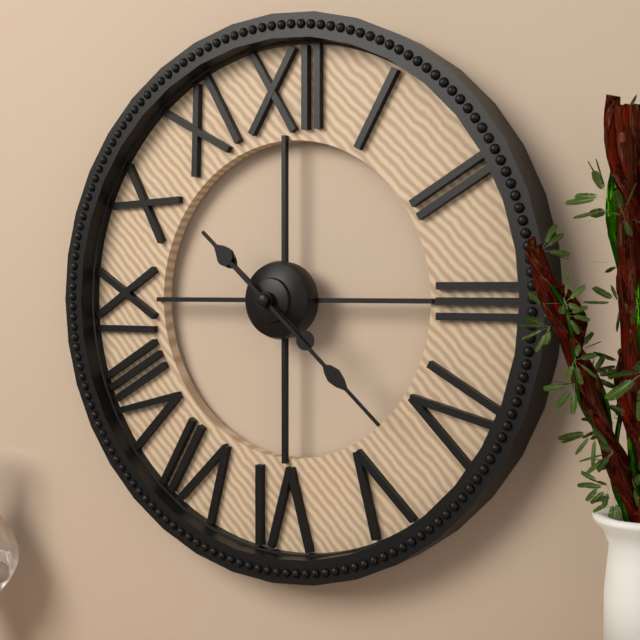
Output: h=10 m=22
